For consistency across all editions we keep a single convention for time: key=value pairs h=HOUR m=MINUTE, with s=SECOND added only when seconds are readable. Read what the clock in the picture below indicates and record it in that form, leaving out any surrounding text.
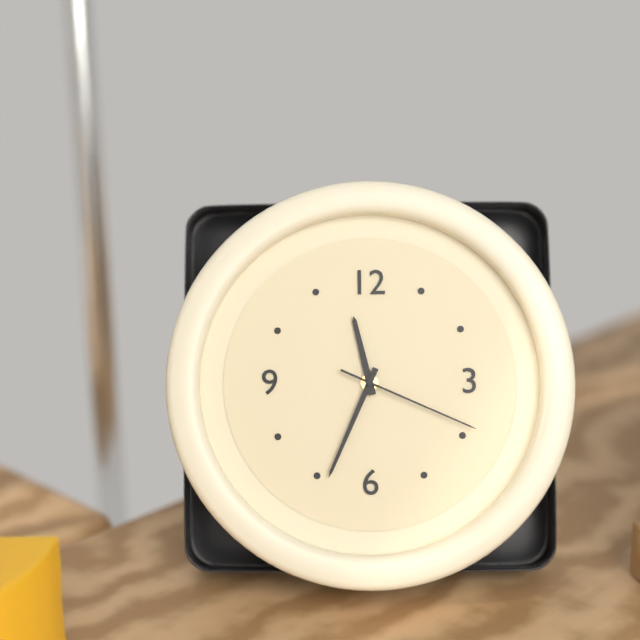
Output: h=11 m=34 s=19
